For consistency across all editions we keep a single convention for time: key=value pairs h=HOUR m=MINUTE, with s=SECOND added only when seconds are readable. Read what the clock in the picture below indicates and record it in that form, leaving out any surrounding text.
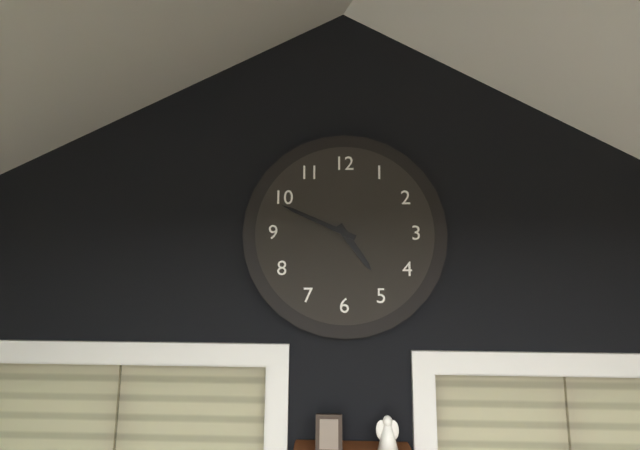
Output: h=4 m=49
